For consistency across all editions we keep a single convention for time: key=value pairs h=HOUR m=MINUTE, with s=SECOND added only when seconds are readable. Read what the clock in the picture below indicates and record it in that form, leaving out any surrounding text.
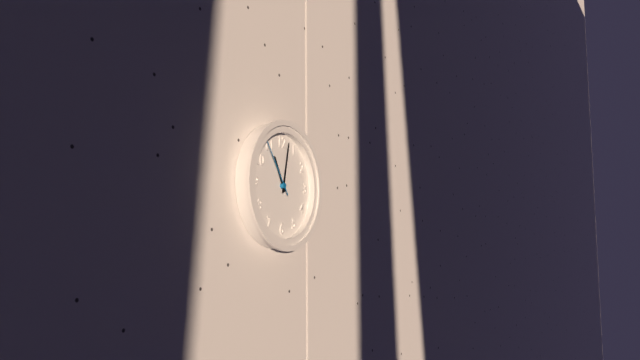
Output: h=11 m=2 s=54
